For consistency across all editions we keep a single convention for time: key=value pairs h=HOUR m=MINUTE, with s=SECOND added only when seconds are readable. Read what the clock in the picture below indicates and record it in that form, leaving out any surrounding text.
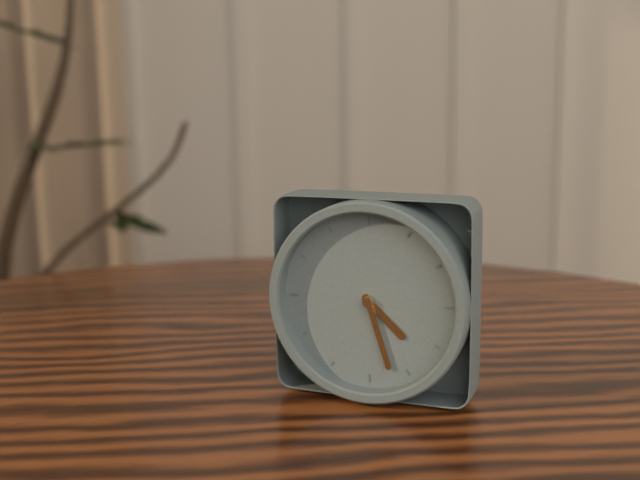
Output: h=4 m=27
